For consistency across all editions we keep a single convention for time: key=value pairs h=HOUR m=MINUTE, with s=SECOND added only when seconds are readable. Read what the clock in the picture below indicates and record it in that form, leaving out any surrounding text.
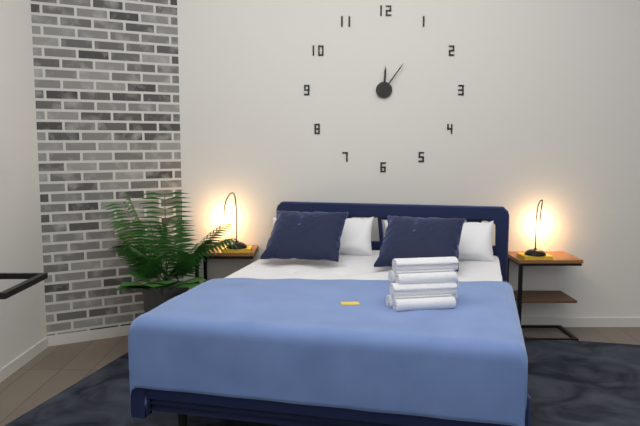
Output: h=12 m=6
